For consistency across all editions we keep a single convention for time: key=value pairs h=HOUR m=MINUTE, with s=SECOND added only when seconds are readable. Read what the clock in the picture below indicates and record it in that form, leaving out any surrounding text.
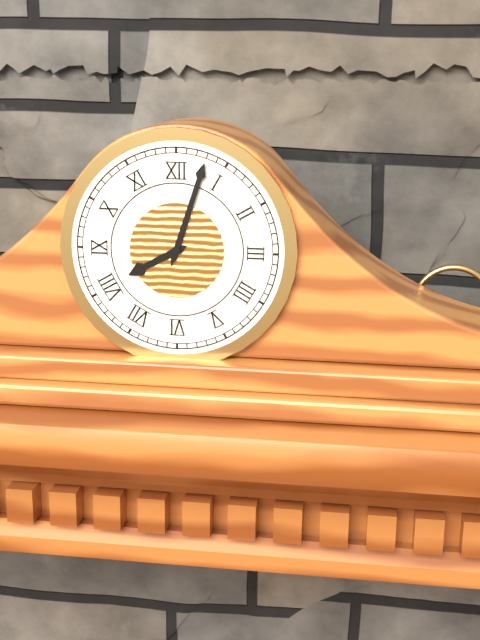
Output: h=8 m=3
